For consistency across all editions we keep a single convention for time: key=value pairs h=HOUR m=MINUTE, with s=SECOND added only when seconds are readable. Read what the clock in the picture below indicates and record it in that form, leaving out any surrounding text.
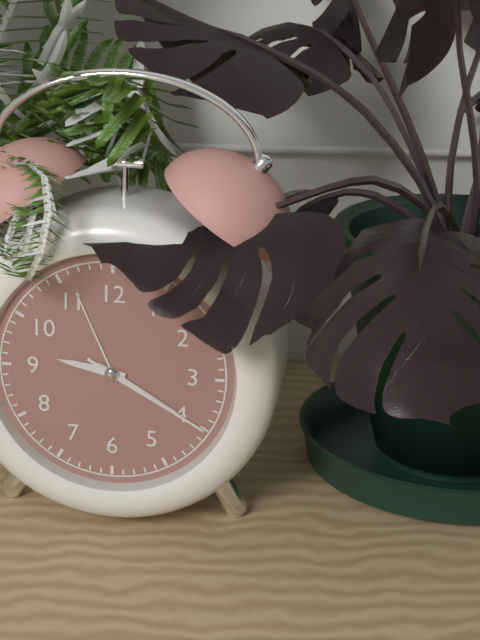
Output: h=9 m=20 s=20
